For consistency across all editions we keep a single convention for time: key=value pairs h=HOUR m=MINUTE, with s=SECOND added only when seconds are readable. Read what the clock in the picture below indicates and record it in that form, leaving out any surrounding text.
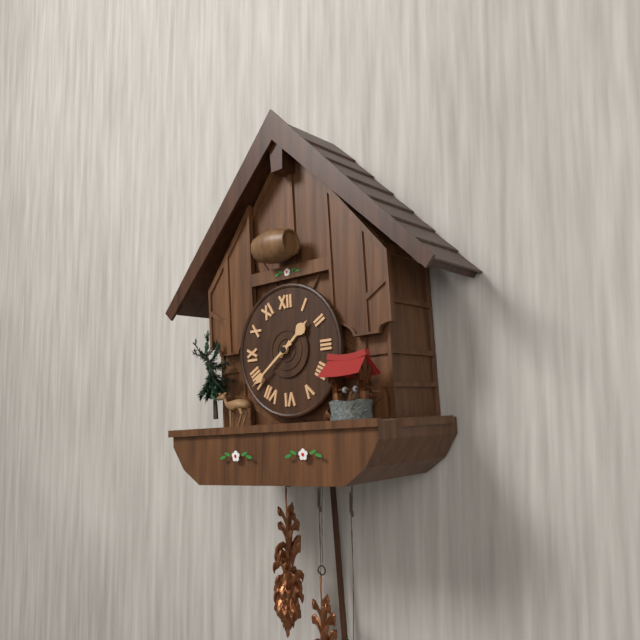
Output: h=1 m=39
